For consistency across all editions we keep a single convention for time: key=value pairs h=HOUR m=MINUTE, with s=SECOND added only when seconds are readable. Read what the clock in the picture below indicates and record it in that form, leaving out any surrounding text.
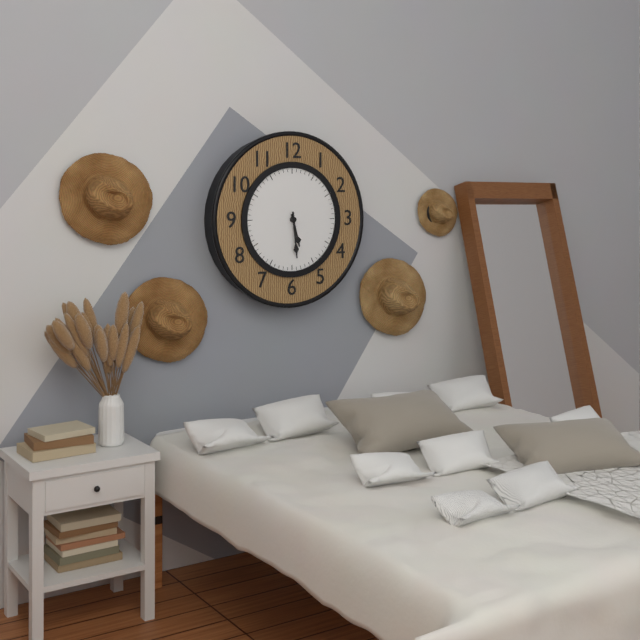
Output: h=5 m=29
